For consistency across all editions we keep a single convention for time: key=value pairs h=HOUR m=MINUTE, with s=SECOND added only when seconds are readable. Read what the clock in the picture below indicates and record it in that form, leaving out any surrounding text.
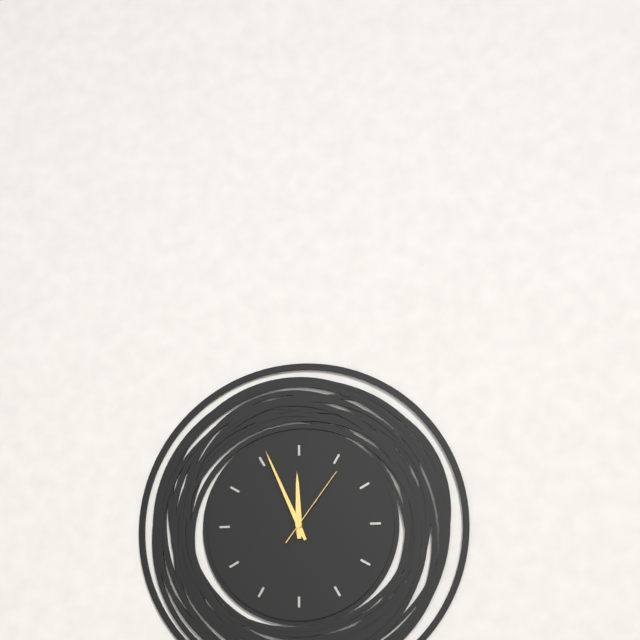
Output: h=11 m=56 s=6
